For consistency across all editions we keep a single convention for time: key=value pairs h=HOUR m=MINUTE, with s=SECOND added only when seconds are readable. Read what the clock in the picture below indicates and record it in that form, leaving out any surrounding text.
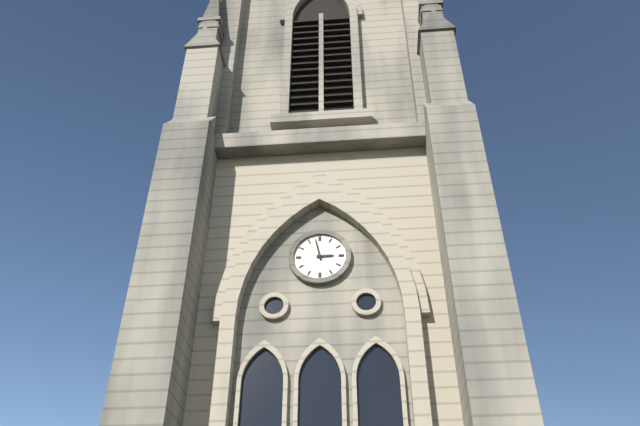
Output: h=2 m=58
